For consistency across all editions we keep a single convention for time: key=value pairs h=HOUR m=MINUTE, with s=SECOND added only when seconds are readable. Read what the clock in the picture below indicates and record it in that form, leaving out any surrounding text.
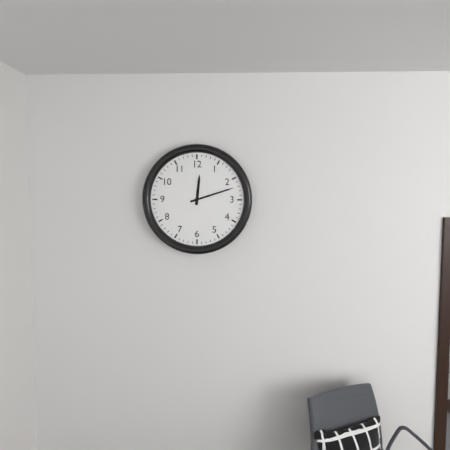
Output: h=12 m=12
